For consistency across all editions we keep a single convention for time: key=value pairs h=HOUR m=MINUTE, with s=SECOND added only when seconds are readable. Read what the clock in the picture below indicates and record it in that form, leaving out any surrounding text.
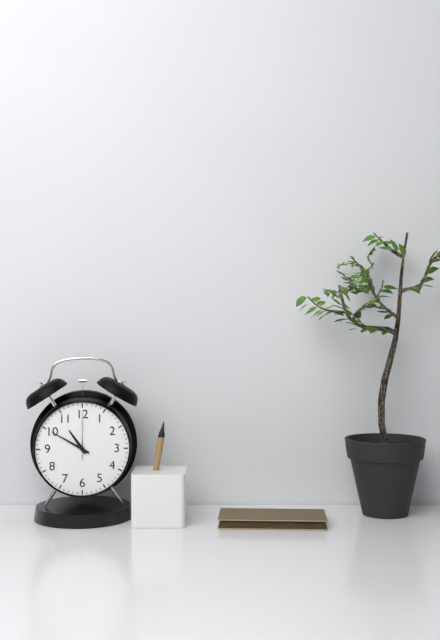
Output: h=10 m=50
